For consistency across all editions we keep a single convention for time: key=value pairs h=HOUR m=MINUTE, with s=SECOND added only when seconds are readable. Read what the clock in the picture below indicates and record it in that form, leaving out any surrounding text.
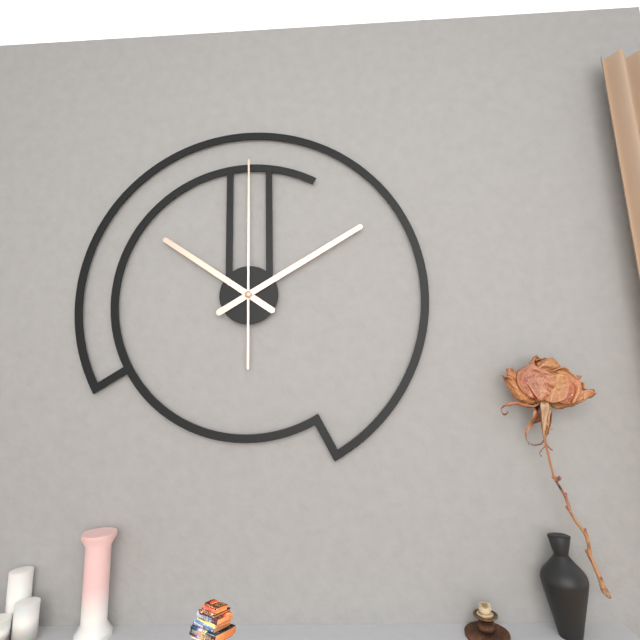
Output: h=10 m=10 s=0
